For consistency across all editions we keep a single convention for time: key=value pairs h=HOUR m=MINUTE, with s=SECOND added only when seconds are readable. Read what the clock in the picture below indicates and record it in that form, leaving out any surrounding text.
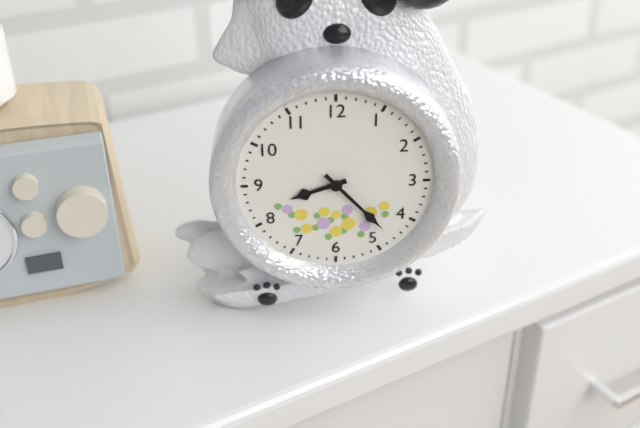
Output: h=8 m=23
